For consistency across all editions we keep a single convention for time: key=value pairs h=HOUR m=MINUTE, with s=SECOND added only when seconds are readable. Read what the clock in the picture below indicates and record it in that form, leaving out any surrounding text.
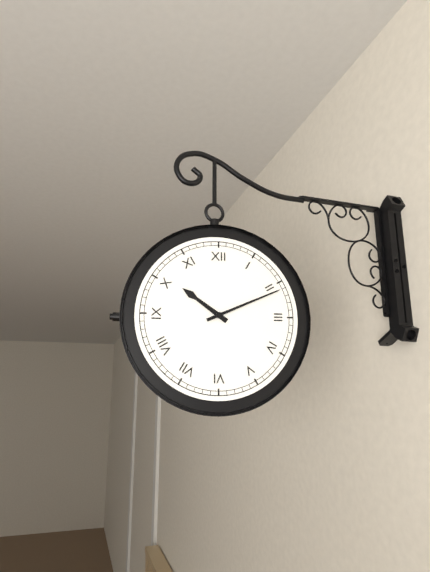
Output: h=10 m=11
